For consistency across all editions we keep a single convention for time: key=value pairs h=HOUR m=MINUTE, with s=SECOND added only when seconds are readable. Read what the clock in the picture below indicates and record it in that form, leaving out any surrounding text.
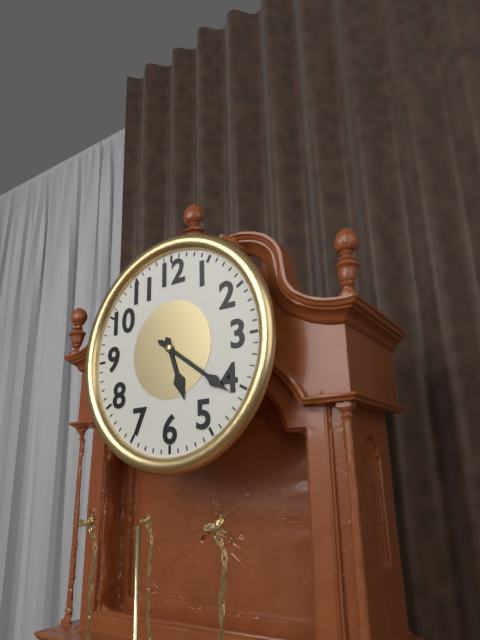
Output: h=5 m=21
